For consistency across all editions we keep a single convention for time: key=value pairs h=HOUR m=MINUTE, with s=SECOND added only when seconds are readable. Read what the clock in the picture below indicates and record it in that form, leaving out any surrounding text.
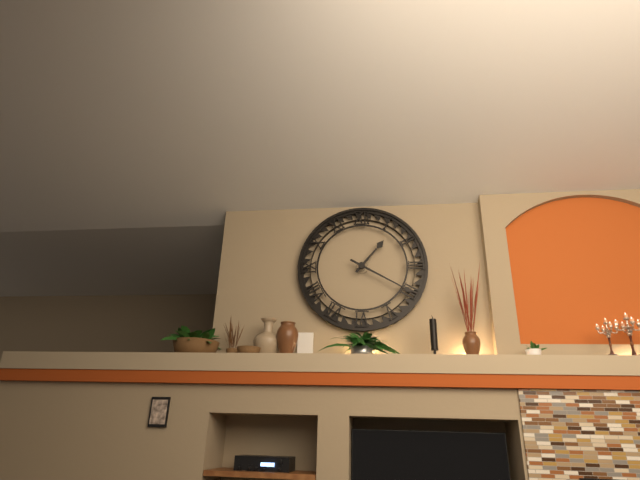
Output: h=1 m=20
